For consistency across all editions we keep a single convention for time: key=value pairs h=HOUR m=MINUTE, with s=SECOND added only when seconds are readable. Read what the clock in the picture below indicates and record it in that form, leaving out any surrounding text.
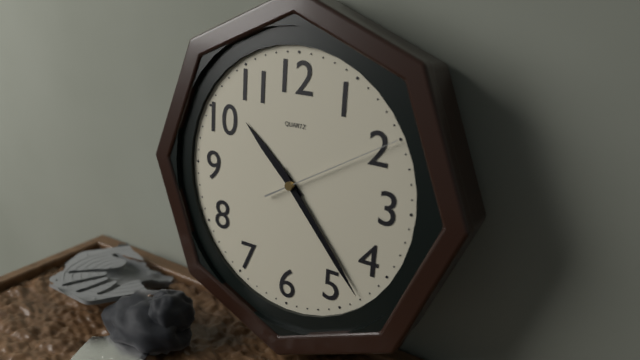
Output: h=10 m=23 s=10
